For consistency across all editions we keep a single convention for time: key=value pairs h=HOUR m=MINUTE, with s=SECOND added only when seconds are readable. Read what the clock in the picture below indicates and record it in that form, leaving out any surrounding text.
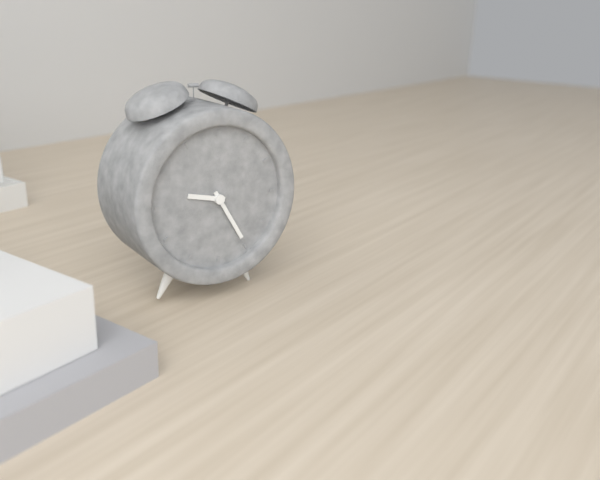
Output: h=9 m=25
